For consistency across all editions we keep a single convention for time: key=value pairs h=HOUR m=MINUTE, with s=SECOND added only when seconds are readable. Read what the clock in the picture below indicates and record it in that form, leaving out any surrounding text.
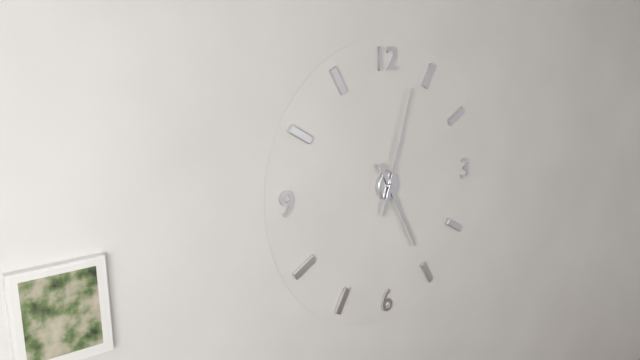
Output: h=5 m=3
